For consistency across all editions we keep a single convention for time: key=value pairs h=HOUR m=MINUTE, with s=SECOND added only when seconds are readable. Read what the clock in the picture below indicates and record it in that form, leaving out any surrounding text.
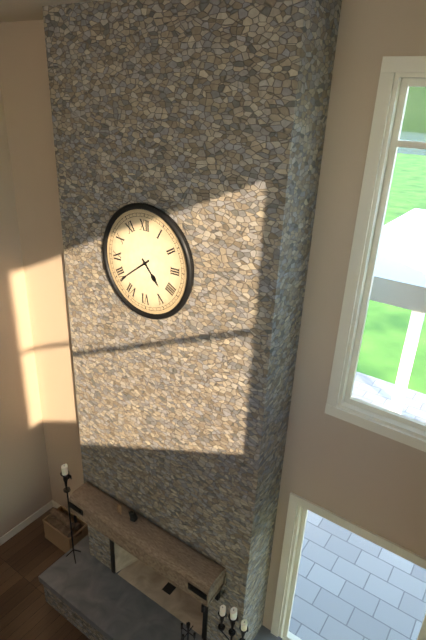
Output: h=4 m=39
